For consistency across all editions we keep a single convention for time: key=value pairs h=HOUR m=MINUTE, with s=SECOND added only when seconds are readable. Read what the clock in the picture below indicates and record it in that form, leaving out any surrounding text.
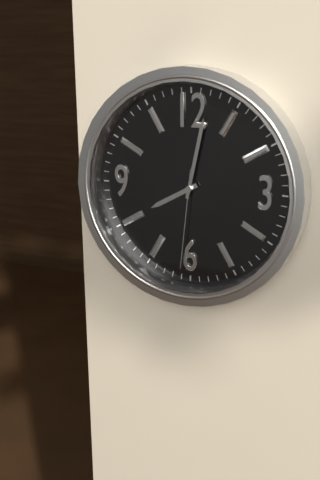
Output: h=8 m=2 s=31
